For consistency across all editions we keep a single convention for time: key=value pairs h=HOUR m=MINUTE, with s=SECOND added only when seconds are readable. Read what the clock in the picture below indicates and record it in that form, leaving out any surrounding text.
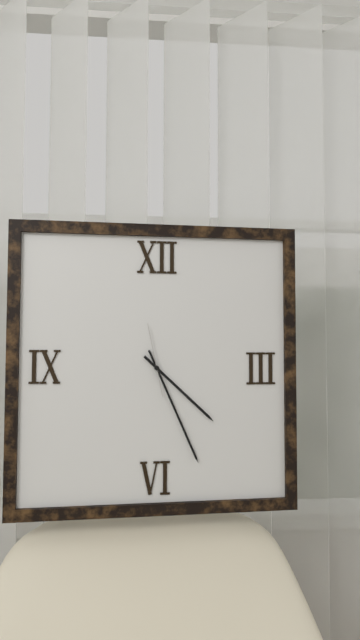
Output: h=4 m=26 s=58
